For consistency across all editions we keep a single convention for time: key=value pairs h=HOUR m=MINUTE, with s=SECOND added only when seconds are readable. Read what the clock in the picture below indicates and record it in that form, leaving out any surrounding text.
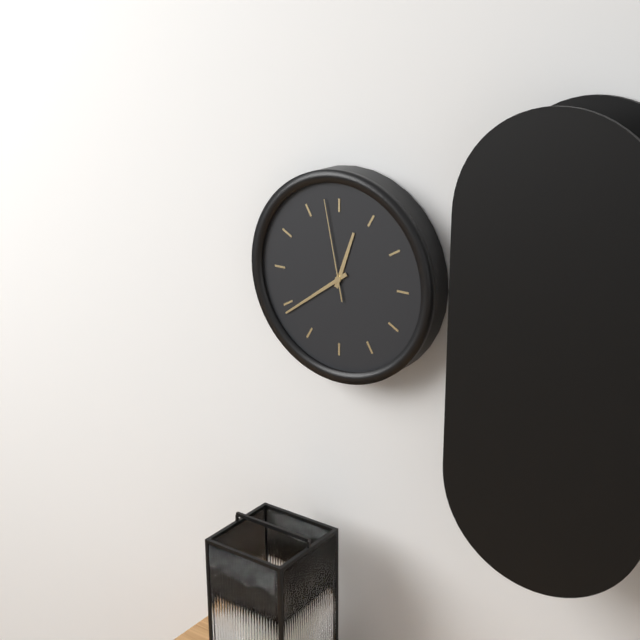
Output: h=12 m=39 s=58
